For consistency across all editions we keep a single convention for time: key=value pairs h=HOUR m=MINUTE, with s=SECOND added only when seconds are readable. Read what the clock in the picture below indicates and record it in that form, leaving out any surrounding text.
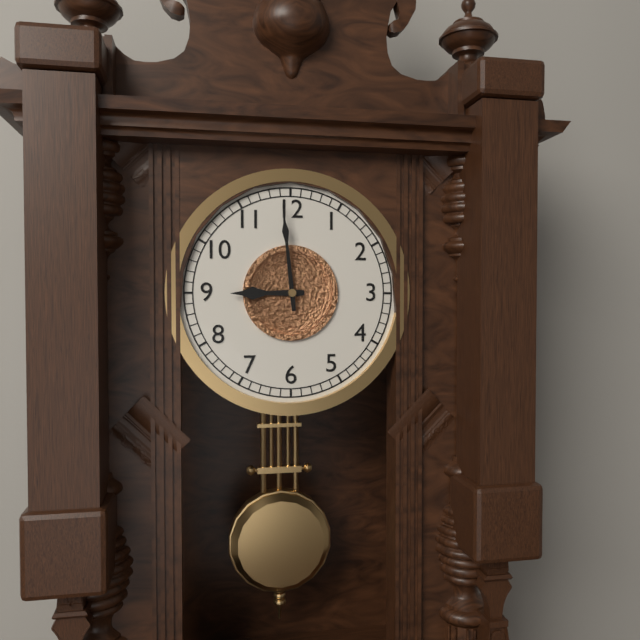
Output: h=8 m=59
